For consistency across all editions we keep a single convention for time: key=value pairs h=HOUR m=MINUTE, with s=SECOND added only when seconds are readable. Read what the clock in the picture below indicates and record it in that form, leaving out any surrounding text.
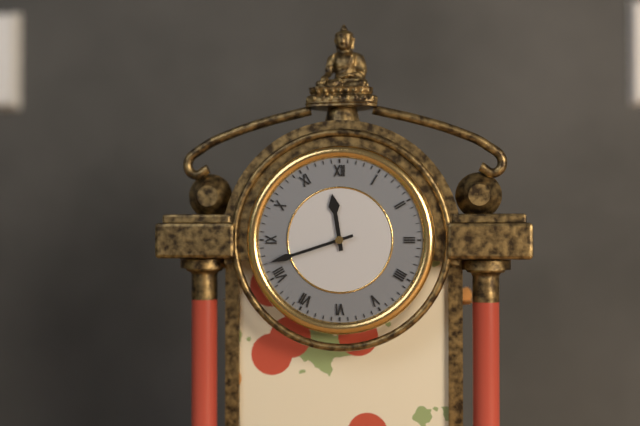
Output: h=11 m=42
